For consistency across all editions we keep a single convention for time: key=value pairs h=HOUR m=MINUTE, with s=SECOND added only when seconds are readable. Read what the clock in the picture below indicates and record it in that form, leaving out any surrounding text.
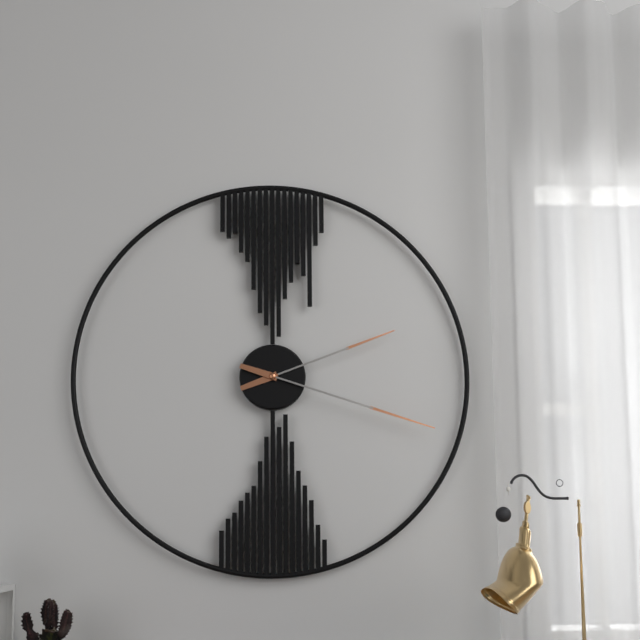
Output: h=2 m=18
